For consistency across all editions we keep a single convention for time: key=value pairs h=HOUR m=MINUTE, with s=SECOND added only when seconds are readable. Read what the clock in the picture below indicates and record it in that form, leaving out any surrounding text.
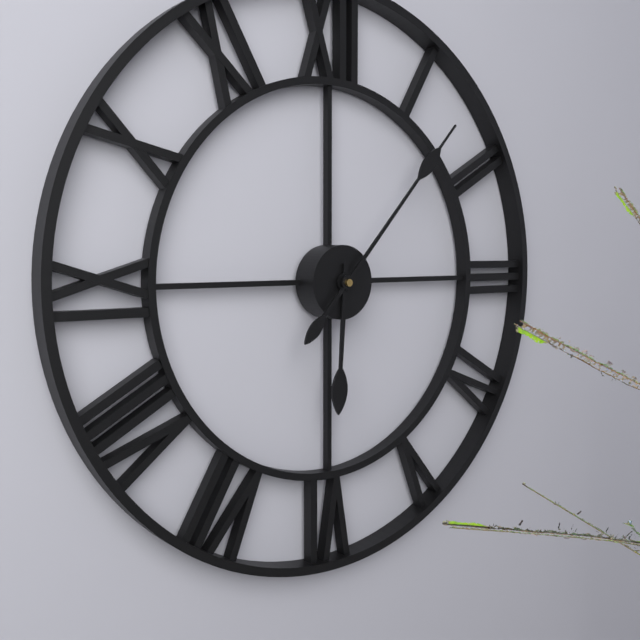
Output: h=6 m=7
